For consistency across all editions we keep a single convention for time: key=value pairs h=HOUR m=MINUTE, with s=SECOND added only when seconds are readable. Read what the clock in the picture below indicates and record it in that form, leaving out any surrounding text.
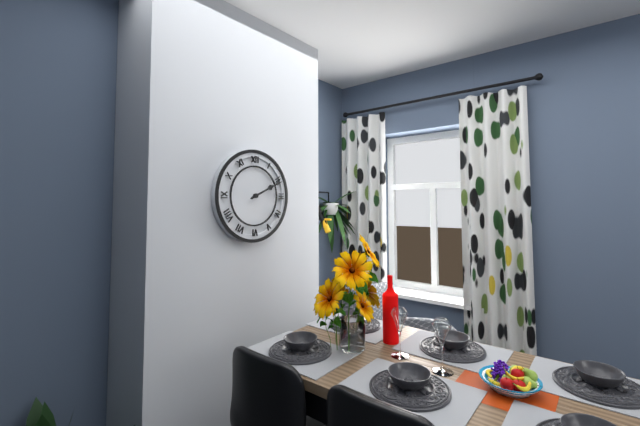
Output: h=2 m=11
